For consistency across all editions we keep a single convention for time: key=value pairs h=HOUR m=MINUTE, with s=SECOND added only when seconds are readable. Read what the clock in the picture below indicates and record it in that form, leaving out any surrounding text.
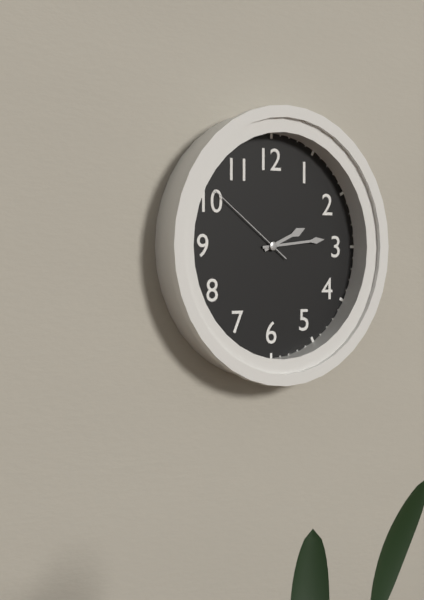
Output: h=2 m=14 s=51
